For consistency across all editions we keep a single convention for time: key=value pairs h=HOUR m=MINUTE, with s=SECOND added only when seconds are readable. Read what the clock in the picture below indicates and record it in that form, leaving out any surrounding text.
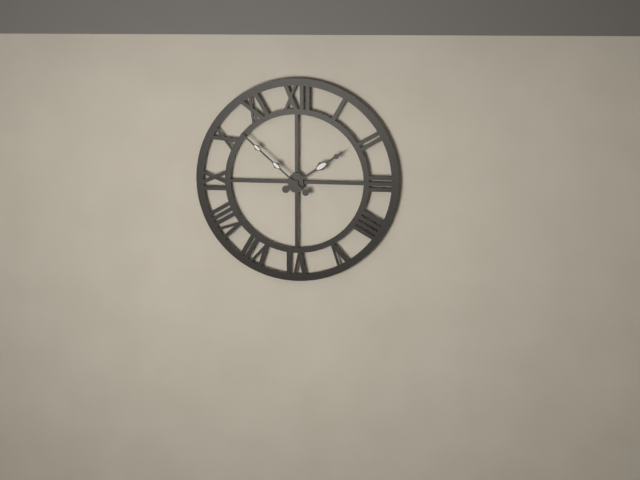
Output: h=1 m=52
